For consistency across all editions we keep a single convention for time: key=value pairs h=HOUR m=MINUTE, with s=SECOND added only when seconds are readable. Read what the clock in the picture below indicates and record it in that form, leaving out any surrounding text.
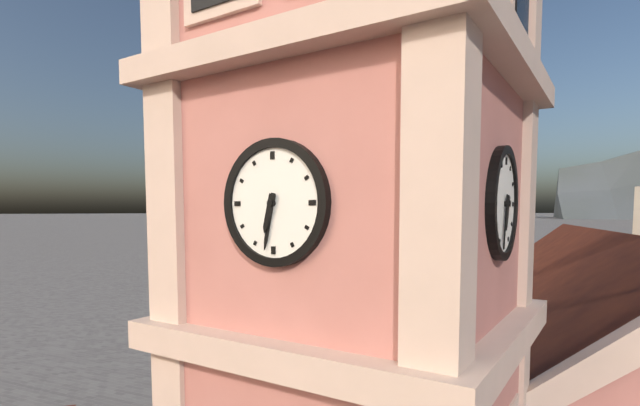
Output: h=6 m=32
